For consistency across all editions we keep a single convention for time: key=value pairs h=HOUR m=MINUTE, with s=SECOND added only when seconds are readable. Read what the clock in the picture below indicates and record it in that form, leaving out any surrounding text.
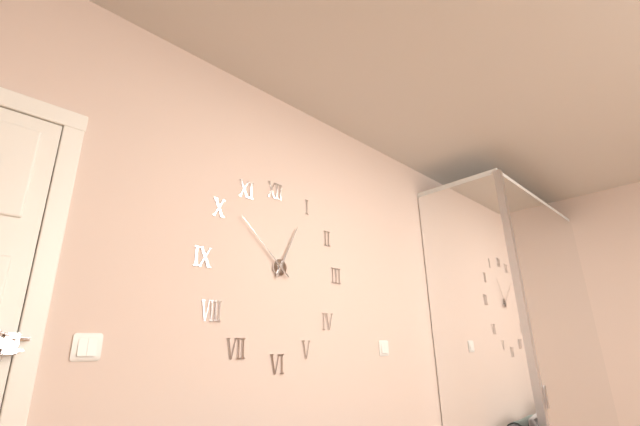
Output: h=12 m=52
